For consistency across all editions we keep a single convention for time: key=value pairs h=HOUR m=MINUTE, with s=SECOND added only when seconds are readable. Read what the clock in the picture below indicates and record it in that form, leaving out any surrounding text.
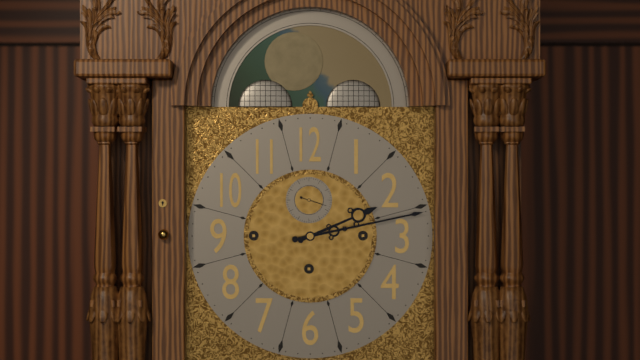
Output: h=2 m=13
